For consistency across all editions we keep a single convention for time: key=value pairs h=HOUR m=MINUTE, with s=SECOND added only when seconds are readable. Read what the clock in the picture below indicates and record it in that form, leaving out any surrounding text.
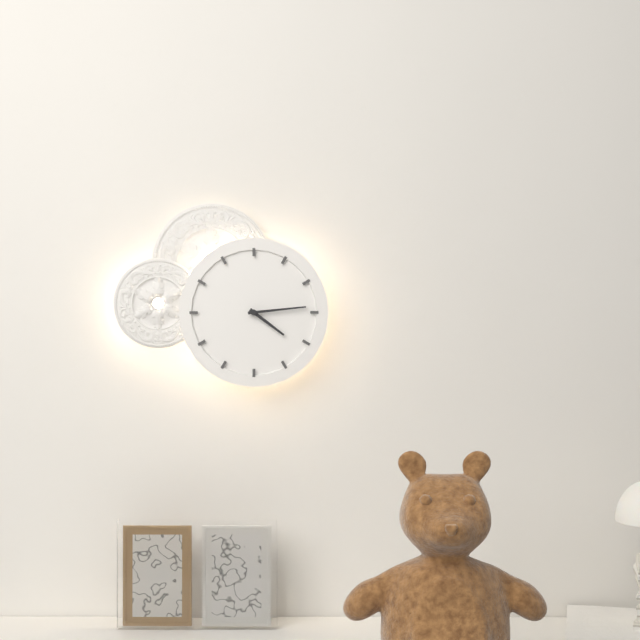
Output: h=4 m=14
